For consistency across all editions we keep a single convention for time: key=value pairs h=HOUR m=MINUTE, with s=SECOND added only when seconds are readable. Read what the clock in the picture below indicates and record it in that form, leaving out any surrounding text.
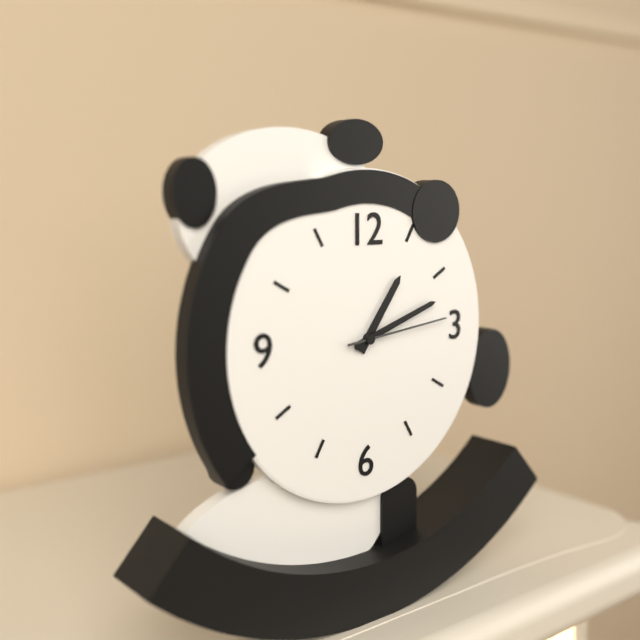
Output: h=1 m=12 s=14
